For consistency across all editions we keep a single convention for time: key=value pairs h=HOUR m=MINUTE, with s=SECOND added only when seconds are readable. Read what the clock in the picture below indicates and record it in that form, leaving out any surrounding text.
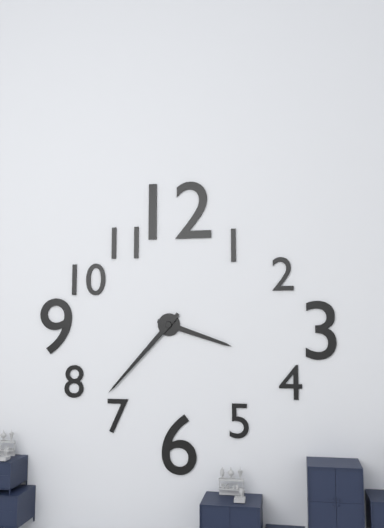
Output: h=3 m=37
